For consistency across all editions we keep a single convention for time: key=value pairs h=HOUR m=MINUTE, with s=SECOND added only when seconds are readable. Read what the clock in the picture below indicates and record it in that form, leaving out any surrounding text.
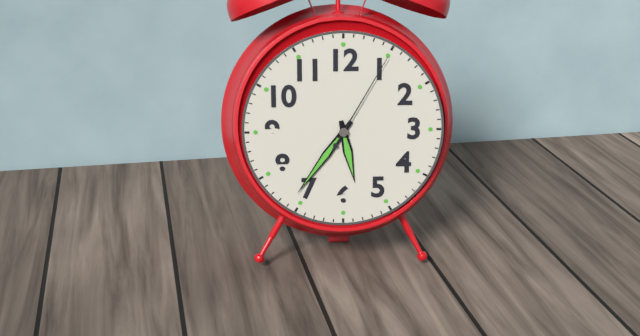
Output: h=5 m=36 s=5
